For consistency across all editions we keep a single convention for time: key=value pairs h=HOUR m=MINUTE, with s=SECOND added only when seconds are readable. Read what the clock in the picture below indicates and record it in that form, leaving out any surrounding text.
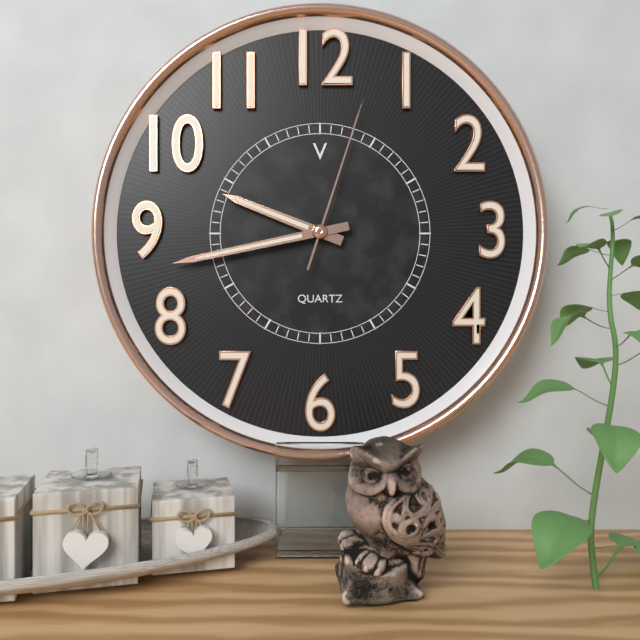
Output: h=9 m=43 s=3
